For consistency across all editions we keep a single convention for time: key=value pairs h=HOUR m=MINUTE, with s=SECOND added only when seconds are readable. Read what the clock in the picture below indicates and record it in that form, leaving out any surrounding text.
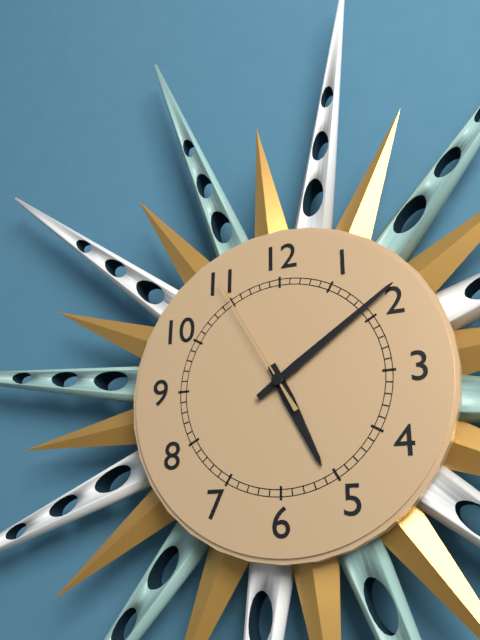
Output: h=5 m=9 s=55
